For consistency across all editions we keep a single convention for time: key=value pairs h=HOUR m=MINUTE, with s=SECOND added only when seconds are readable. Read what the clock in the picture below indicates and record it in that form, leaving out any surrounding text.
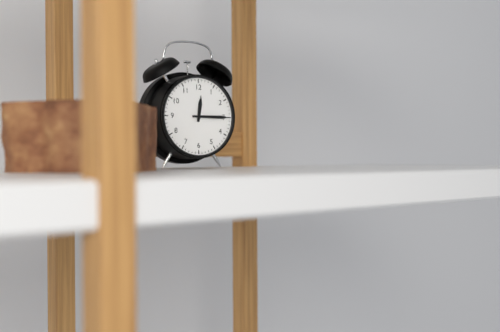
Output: h=12 m=15
